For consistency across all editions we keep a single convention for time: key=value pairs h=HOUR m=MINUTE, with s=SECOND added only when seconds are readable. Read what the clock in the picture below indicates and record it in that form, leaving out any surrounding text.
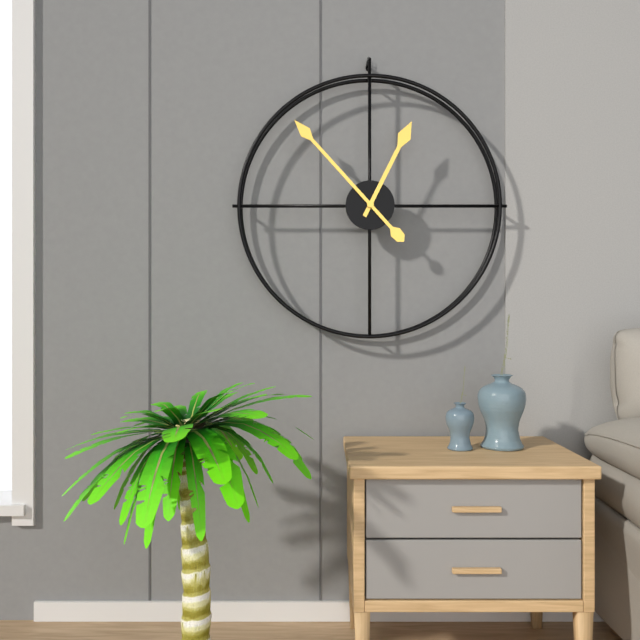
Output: h=12 m=53
